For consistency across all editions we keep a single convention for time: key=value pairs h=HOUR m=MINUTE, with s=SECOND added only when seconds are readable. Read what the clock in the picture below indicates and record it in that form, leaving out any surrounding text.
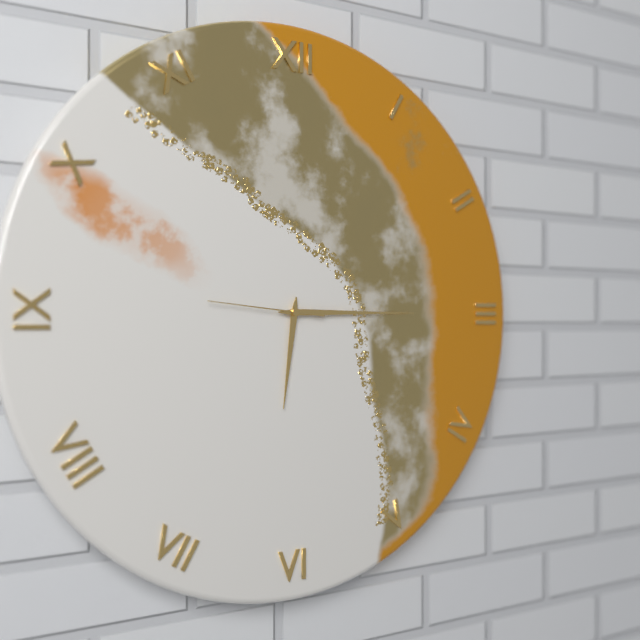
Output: h=6 m=15 s=46
